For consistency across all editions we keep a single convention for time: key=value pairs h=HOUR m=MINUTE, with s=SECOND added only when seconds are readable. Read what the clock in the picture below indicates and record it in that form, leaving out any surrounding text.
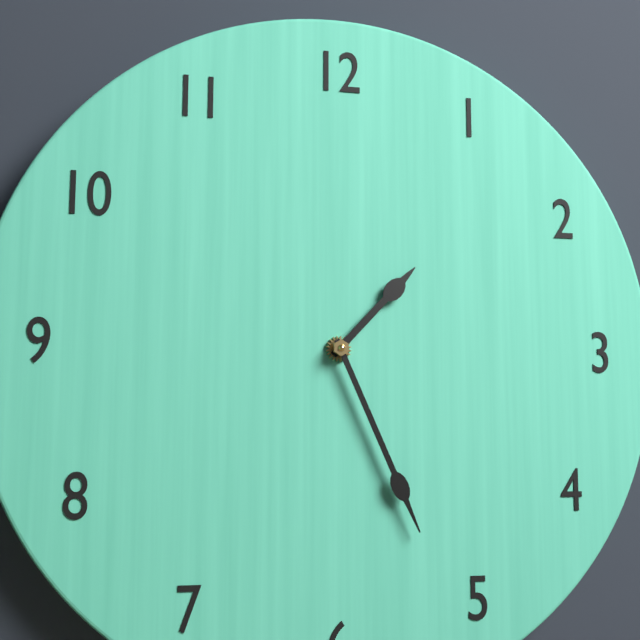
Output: h=1 m=26
